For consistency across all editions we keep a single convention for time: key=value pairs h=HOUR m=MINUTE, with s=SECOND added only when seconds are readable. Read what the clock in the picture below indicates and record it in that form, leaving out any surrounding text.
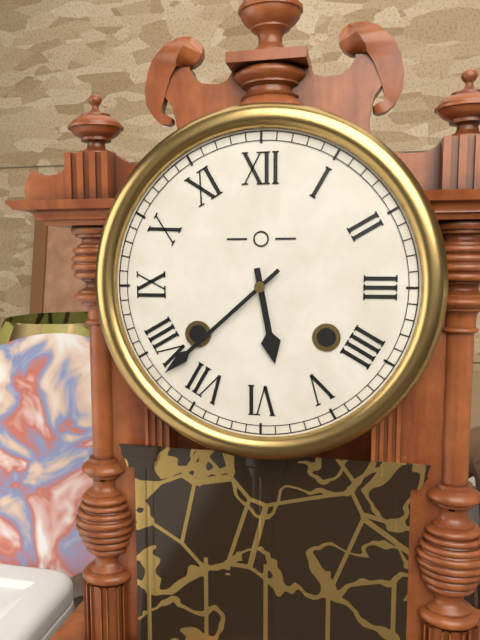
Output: h=5 m=38
